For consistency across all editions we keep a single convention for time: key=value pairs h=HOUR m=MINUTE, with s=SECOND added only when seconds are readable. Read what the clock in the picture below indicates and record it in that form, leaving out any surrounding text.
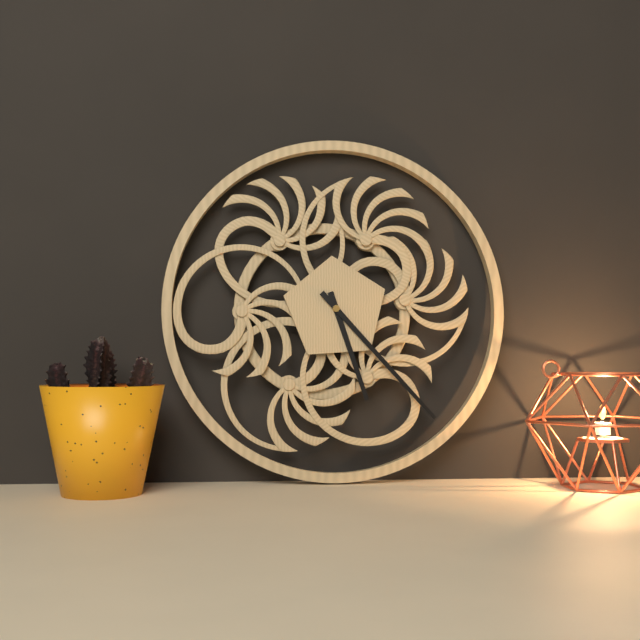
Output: h=5 m=23
